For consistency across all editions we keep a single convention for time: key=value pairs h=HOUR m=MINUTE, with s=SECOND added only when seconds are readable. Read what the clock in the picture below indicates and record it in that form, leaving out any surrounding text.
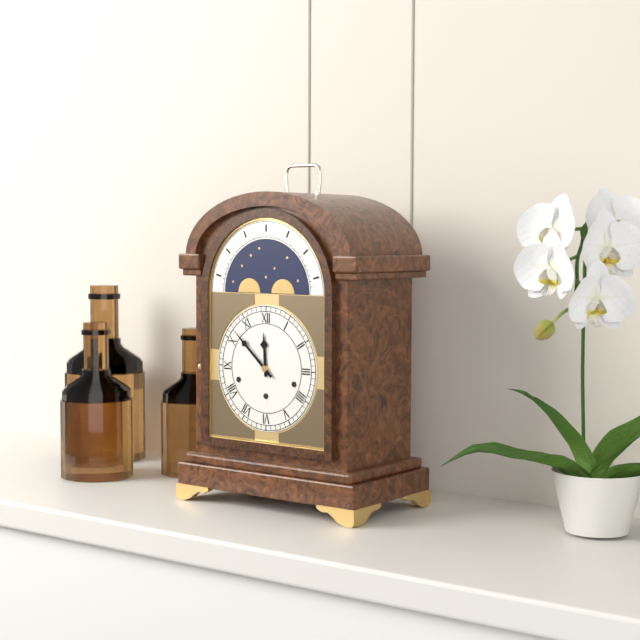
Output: h=11 m=52
